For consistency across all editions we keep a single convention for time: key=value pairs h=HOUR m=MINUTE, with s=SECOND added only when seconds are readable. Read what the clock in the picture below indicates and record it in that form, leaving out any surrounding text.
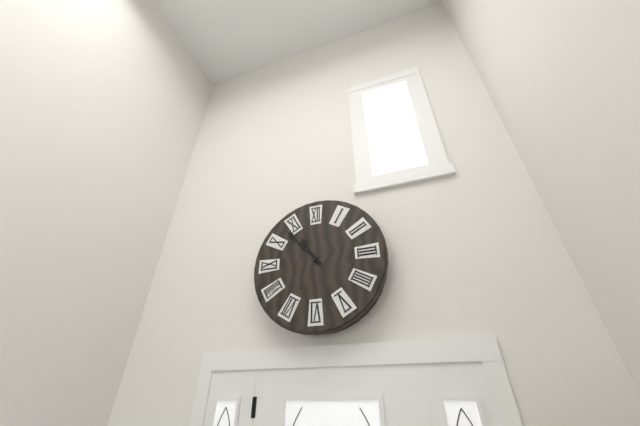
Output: h=10 m=53
